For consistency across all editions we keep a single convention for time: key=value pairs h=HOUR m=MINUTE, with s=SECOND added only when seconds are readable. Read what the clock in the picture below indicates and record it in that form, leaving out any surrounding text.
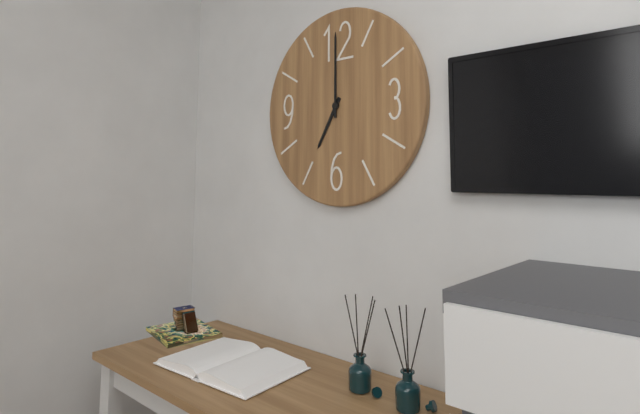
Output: h=7 m=0
